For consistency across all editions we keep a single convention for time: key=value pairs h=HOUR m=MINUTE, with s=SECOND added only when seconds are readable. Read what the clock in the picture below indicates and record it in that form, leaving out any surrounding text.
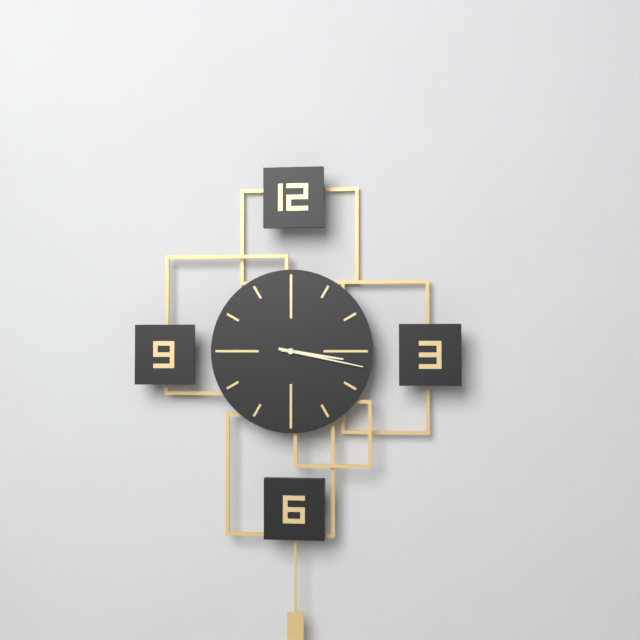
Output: h=3 m=17
